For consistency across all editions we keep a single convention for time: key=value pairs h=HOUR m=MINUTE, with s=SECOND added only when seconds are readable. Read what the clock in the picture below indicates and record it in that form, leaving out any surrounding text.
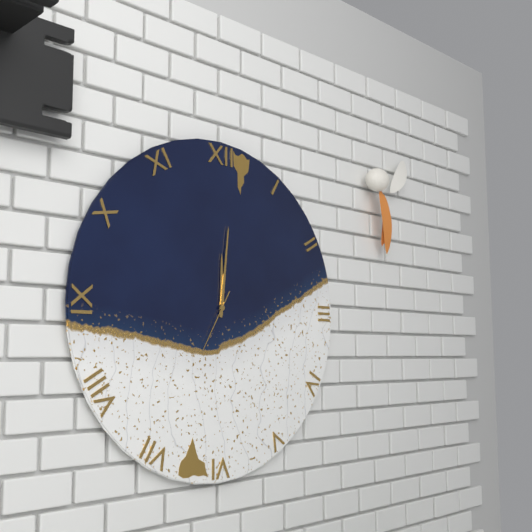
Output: h=12 m=1 s=35
